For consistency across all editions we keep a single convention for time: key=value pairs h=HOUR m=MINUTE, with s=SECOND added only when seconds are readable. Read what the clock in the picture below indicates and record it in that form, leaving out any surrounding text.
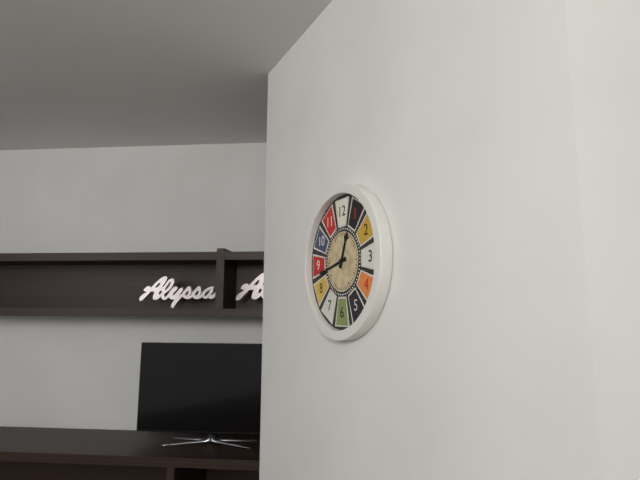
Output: h=12 m=43
